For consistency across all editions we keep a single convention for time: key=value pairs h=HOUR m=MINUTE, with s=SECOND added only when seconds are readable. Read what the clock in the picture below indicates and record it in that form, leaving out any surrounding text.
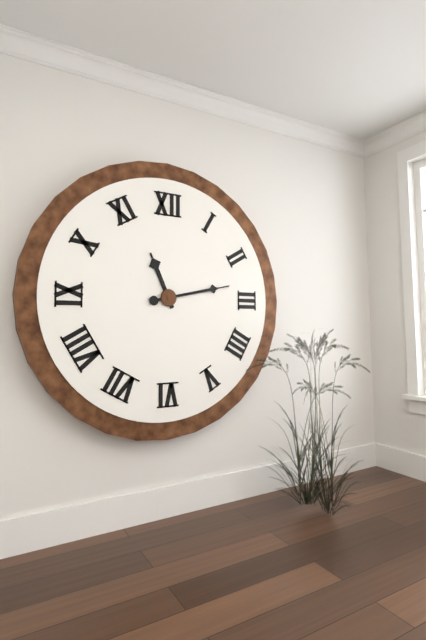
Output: h=11 m=13
